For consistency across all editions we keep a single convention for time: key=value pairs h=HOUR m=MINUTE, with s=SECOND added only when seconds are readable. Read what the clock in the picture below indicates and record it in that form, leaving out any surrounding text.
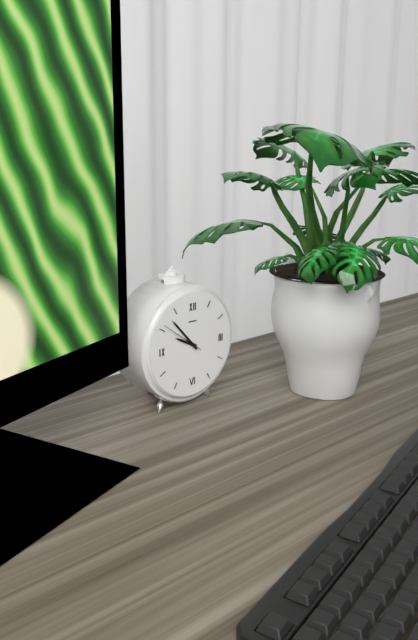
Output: h=9 m=53
